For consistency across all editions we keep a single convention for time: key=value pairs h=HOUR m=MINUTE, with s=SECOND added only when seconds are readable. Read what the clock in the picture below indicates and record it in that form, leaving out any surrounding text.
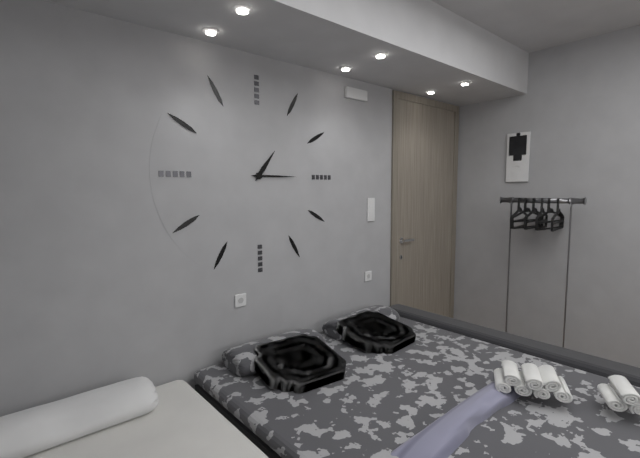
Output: h=1 m=15
